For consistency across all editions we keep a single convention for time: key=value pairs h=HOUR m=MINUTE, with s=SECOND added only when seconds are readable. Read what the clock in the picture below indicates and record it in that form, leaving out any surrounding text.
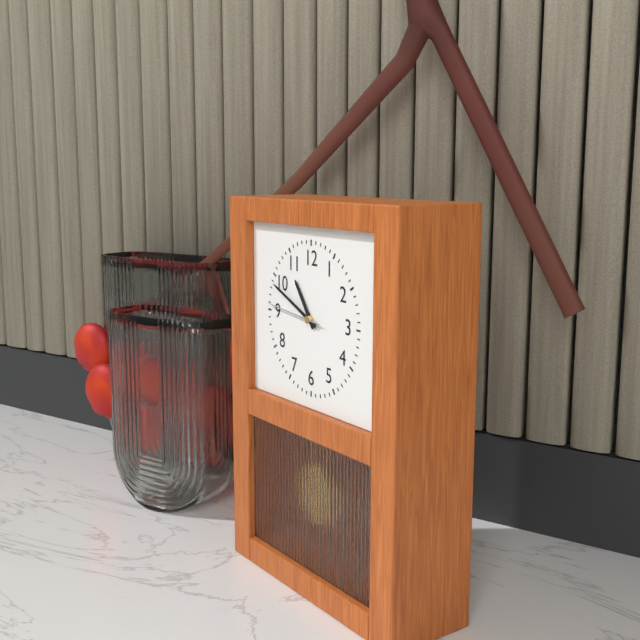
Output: h=10 m=49 s=46
